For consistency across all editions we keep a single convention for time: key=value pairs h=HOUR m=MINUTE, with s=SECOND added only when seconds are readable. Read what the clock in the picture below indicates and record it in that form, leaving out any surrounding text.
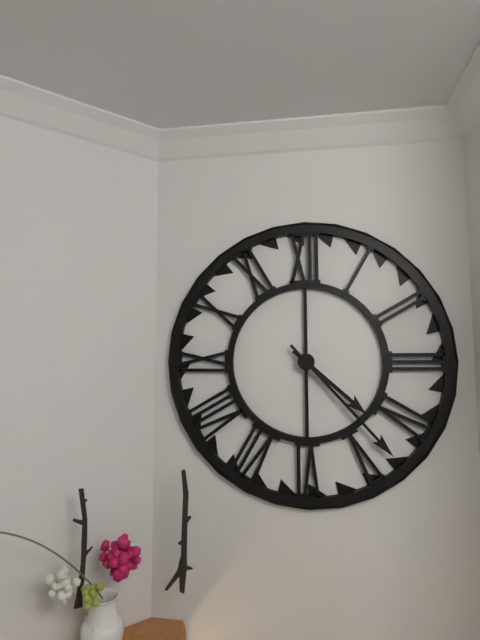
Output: h=4 m=23
